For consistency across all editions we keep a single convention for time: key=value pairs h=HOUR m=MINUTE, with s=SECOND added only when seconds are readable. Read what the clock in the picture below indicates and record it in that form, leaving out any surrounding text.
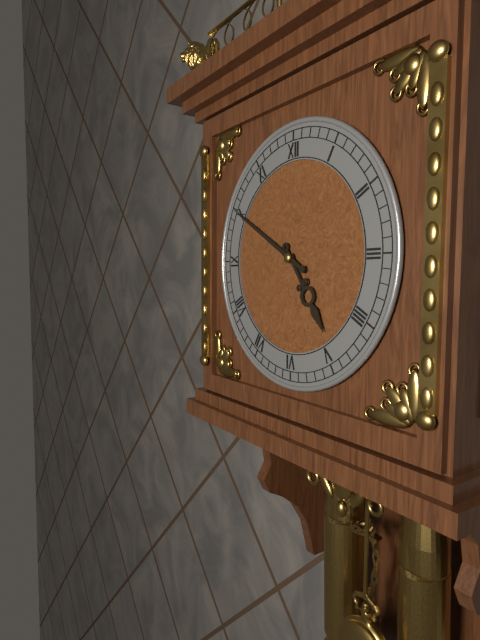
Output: h=4 m=50
